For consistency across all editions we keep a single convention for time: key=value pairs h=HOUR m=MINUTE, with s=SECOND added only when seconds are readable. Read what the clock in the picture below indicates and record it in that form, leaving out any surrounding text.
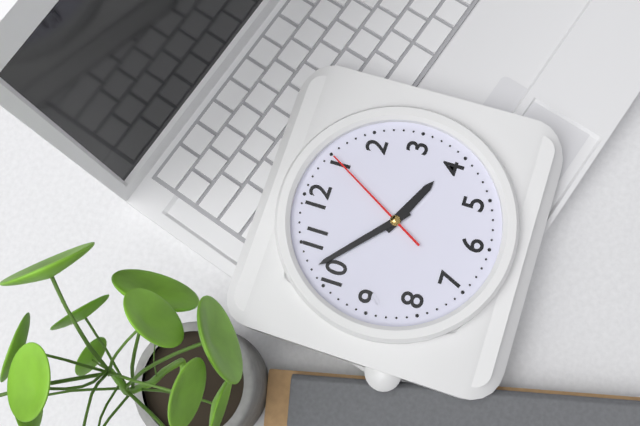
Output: h=3 m=52 s=5
